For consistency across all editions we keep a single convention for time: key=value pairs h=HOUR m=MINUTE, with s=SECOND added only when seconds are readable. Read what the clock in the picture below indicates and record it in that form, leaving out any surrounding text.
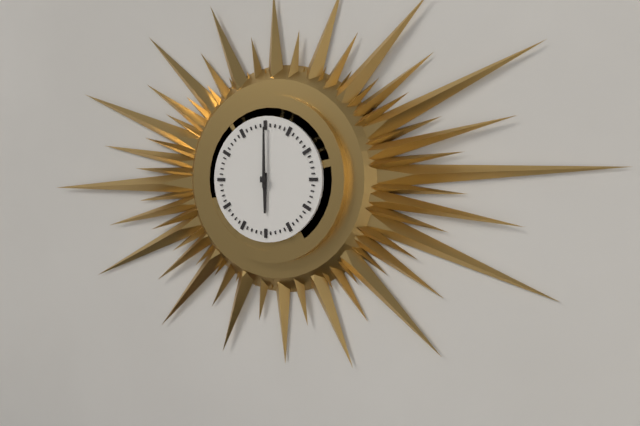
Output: h=6 m=0
